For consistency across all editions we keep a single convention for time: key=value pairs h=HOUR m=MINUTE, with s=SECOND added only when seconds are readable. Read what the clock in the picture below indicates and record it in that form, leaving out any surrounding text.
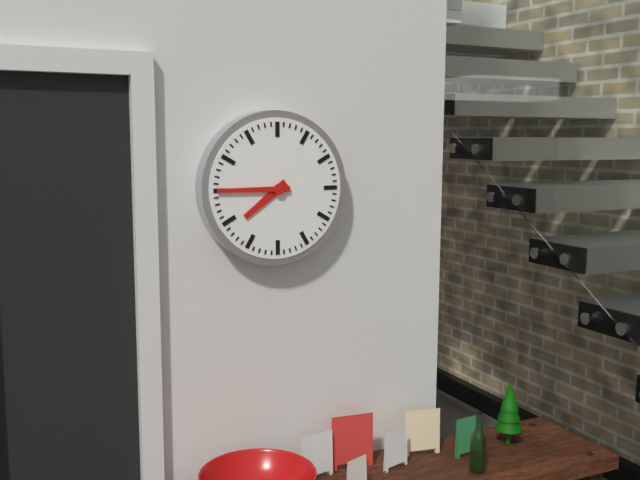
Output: h=7 m=45
